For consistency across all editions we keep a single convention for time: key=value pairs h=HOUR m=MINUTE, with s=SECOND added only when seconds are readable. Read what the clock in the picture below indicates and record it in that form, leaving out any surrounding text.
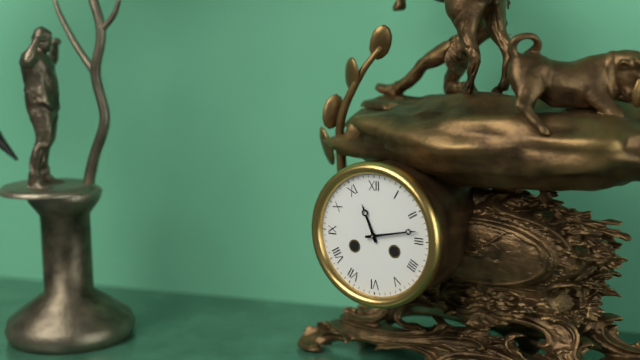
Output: h=11 m=13
